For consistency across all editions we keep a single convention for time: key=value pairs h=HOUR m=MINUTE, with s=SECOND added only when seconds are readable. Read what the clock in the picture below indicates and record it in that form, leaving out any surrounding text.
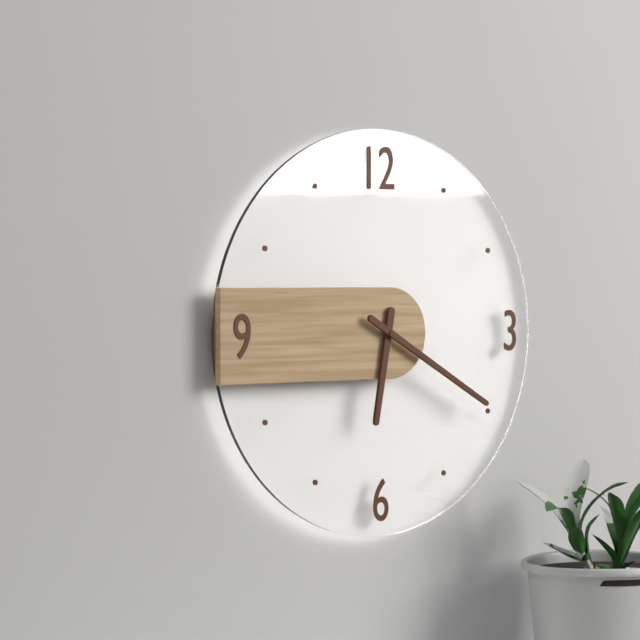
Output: h=6 m=20
